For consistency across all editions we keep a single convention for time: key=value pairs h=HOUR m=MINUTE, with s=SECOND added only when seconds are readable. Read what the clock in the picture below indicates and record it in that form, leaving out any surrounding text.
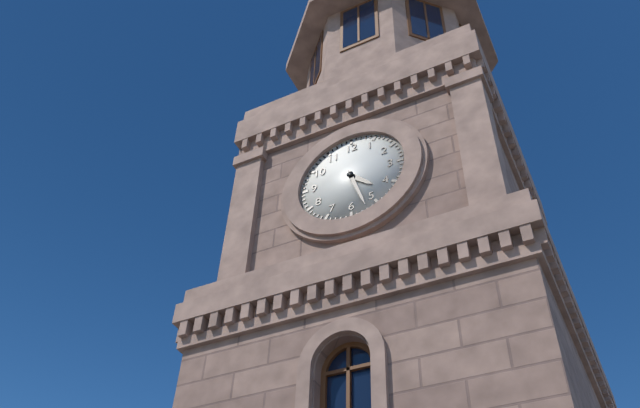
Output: h=4 m=27
